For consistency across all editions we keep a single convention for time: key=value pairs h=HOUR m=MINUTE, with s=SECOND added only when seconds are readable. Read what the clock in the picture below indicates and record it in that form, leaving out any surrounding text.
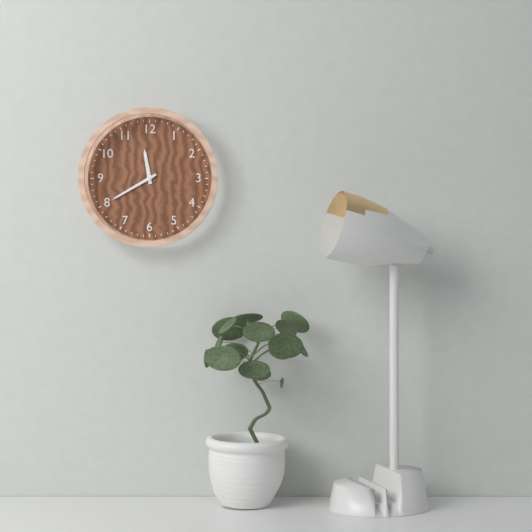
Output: h=11 m=40
